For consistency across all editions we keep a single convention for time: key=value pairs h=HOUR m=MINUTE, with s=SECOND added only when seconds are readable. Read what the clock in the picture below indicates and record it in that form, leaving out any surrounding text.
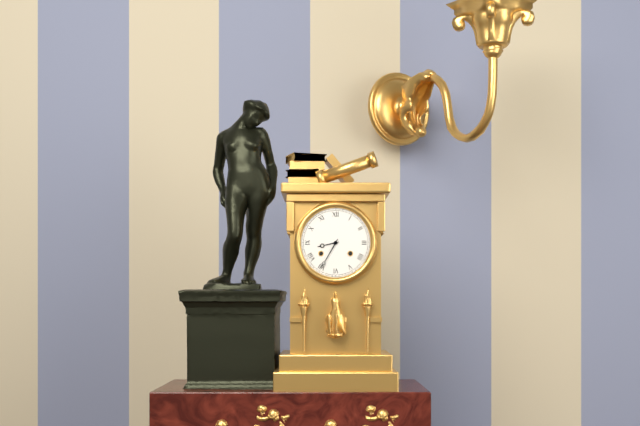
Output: h=8 m=35
